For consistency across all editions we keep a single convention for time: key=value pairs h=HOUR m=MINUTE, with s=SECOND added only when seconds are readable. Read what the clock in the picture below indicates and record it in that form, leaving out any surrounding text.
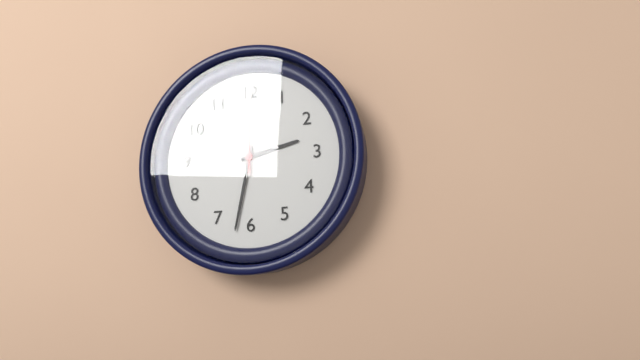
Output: h=2 m=32 s=0
